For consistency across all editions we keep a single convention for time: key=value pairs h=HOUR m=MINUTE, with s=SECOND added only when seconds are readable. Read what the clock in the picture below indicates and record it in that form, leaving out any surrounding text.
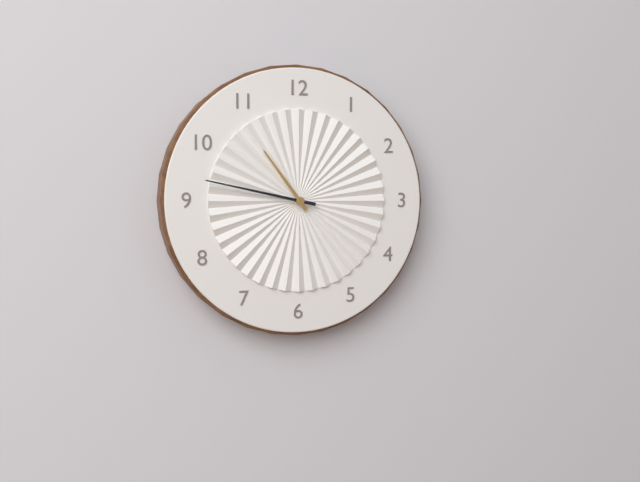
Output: h=10 m=47
